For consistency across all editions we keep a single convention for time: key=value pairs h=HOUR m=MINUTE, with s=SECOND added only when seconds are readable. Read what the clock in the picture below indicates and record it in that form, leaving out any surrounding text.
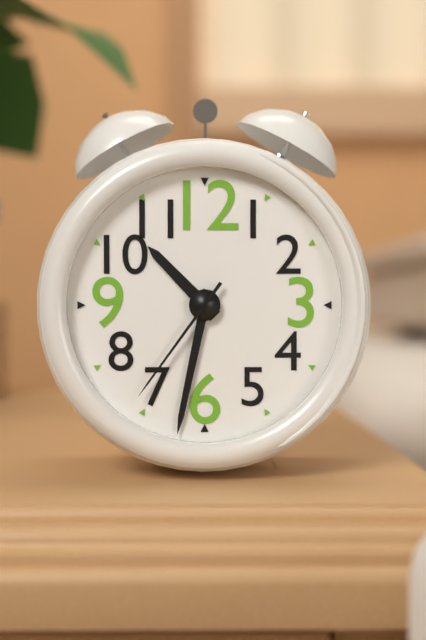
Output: h=10 m=32 s=36
